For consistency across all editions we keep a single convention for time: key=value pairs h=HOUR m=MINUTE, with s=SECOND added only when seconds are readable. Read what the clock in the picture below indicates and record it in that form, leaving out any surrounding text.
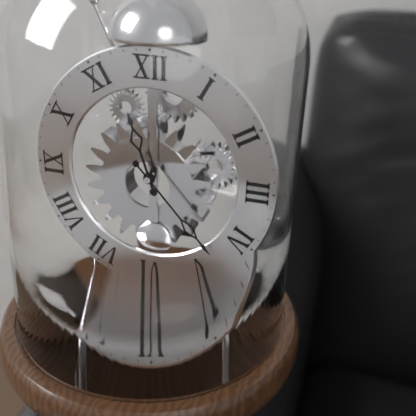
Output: h=11 m=23
